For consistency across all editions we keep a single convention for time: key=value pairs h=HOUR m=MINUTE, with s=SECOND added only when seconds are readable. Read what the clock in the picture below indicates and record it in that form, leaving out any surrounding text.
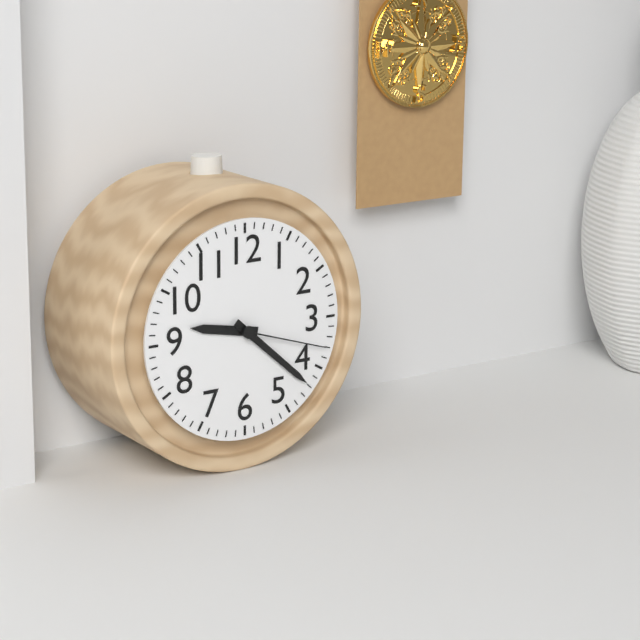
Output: h=9 m=22 s=18
